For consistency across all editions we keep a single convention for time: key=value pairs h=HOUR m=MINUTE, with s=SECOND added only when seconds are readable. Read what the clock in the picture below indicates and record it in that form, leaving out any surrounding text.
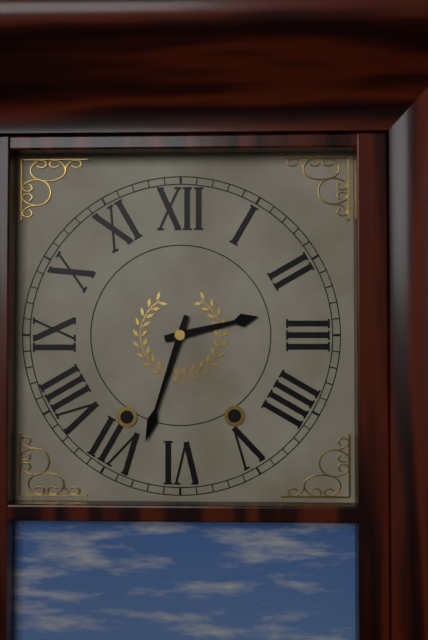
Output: h=2 m=33
